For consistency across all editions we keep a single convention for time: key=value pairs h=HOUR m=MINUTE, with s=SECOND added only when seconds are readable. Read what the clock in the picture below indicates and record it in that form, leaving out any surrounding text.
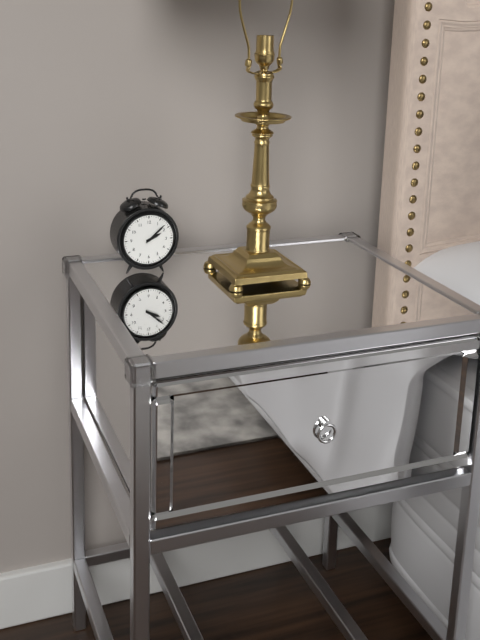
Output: h=2 m=8
